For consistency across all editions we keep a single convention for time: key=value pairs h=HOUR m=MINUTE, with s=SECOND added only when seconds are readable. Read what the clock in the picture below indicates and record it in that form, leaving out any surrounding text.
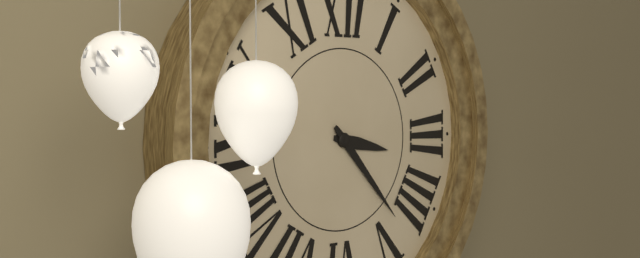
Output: h=3 m=23
